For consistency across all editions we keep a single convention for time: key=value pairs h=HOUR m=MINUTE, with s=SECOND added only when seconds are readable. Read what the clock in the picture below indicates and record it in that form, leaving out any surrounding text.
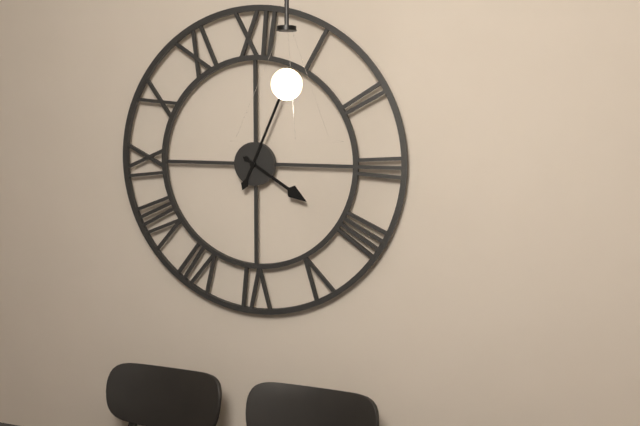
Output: h=4 m=4
